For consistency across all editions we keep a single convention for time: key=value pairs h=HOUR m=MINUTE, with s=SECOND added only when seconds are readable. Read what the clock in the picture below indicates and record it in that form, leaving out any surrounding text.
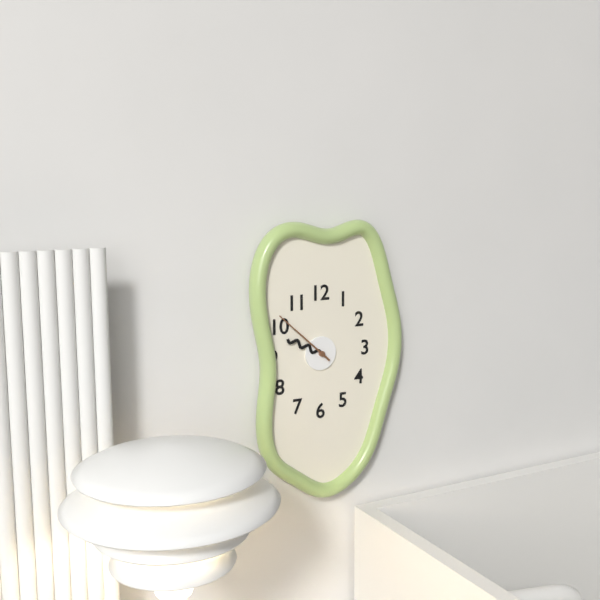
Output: h=9 m=52
